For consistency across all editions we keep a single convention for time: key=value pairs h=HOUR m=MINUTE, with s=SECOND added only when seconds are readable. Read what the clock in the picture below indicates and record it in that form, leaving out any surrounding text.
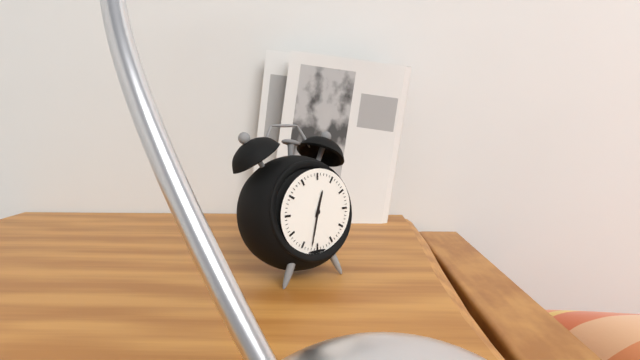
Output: h=12 m=32
